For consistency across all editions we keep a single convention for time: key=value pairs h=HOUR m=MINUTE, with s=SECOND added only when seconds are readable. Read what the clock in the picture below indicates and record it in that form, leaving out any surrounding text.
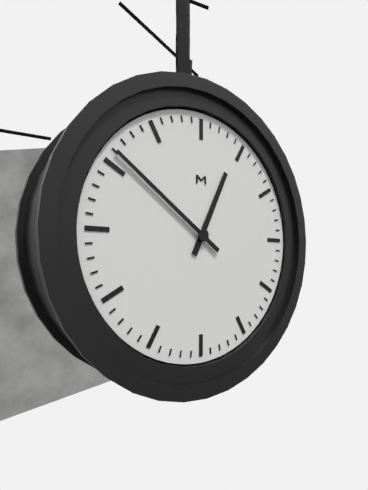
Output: h=12 m=51
